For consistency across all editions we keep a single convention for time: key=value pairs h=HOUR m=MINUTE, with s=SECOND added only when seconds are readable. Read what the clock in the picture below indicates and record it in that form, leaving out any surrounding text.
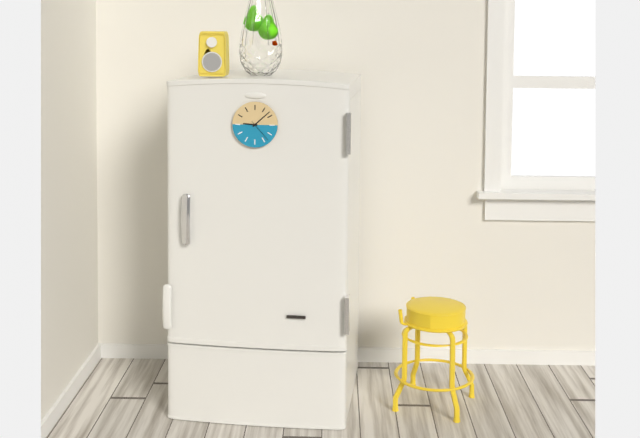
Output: h=9 m=8
